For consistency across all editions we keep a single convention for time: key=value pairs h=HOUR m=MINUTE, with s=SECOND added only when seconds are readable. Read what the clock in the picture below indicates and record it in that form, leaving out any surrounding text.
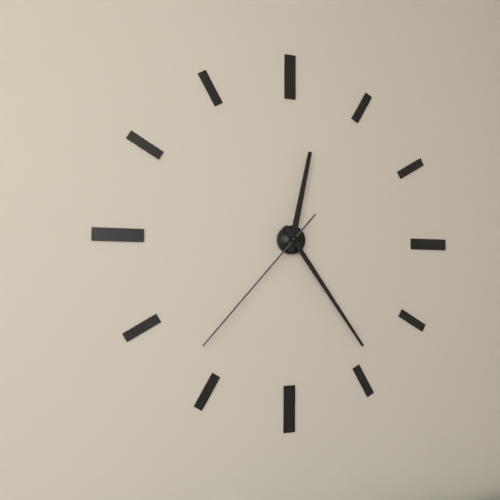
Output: h=12 m=24 s=37
